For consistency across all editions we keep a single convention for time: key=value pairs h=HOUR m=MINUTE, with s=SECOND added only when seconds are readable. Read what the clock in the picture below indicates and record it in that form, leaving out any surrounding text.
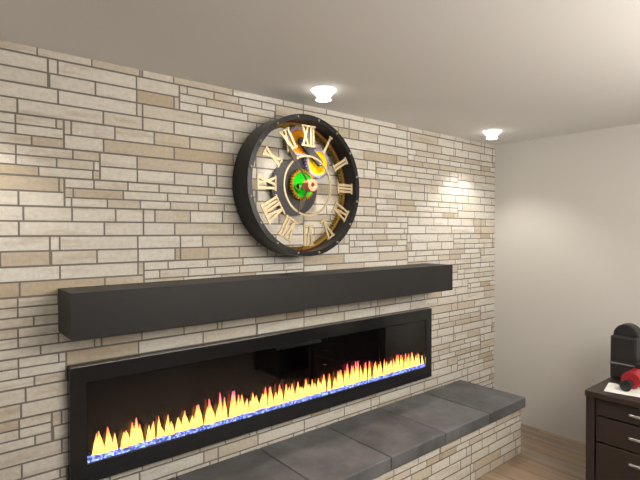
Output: h=6 m=54
